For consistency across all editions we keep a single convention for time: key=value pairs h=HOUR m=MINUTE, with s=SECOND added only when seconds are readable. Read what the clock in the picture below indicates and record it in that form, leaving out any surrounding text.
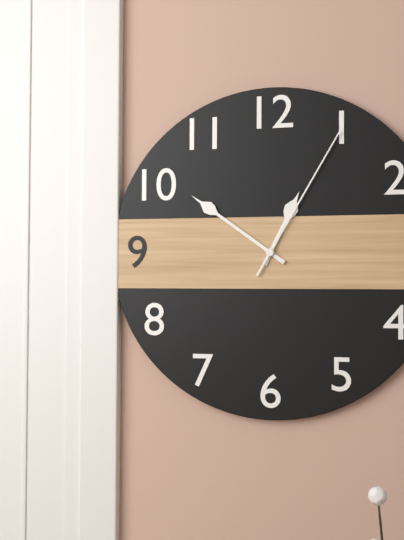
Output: h=12 m=51 s=5
